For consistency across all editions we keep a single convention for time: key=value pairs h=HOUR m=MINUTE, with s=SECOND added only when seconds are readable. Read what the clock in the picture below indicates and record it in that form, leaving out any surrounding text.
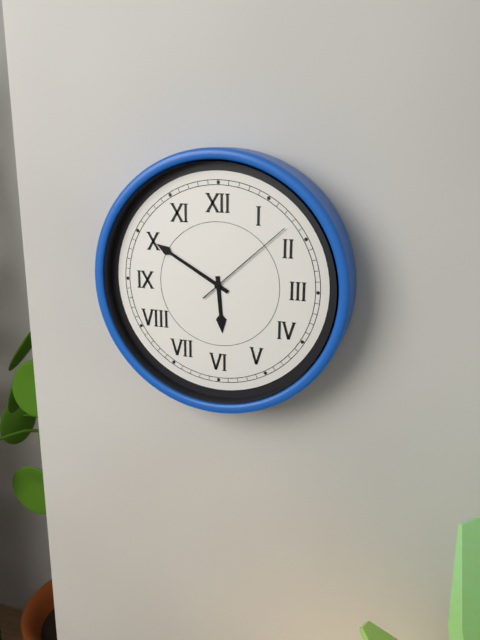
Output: h=5 m=50 s=8
